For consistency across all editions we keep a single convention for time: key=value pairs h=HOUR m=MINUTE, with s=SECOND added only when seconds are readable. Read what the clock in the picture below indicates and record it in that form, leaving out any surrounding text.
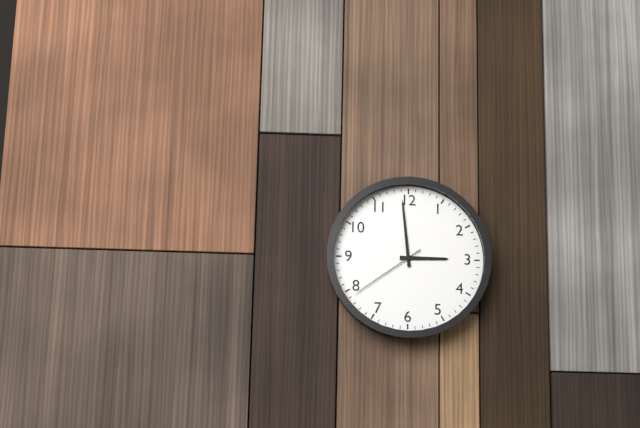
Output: h=2 m=59 s=39
